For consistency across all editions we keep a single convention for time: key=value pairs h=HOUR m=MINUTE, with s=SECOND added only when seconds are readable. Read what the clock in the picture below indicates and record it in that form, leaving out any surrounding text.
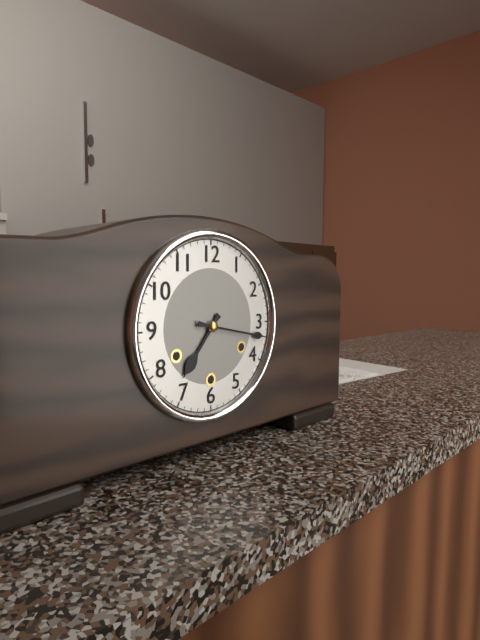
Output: h=7 m=17
